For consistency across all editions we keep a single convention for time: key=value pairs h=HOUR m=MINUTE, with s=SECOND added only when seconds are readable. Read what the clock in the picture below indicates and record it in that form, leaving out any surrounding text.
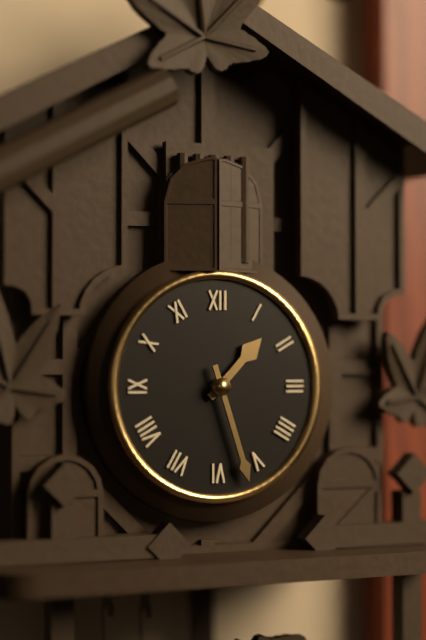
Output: h=1 m=27
